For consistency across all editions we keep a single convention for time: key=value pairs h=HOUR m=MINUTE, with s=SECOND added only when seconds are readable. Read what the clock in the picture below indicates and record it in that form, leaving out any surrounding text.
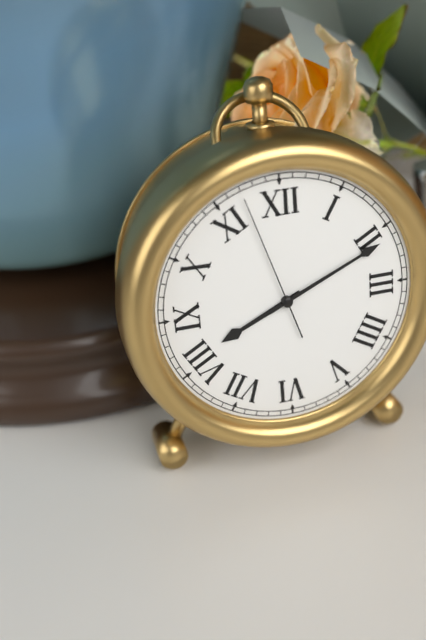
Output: h=8 m=11 s=57
